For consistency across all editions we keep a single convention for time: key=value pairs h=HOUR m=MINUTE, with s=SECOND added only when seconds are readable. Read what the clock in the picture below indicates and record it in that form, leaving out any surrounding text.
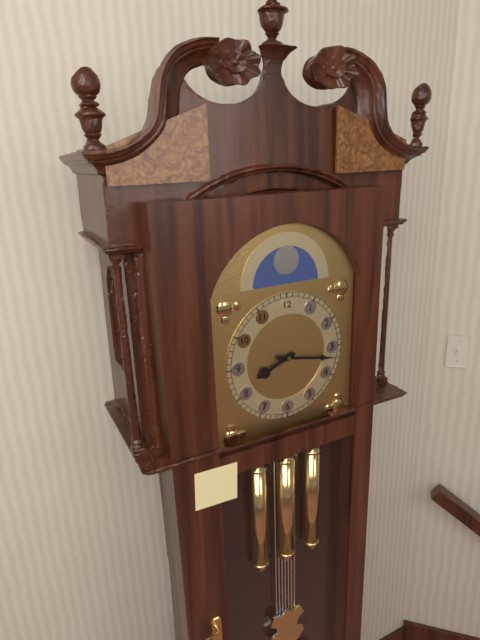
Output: h=8 m=17
